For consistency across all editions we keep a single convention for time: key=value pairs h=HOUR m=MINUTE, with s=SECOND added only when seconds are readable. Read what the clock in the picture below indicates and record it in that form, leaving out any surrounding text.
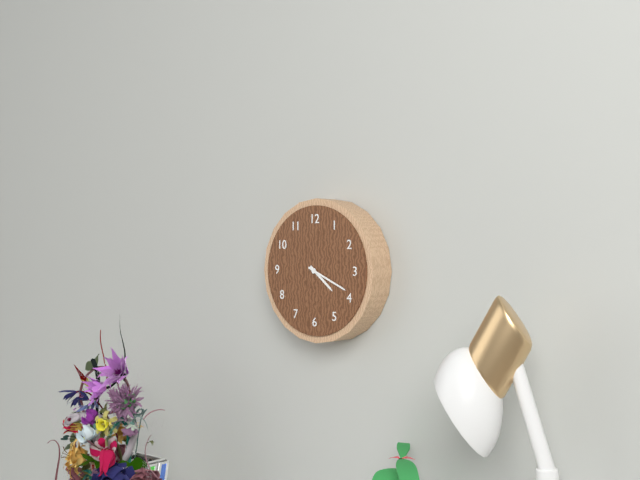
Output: h=4 m=19
